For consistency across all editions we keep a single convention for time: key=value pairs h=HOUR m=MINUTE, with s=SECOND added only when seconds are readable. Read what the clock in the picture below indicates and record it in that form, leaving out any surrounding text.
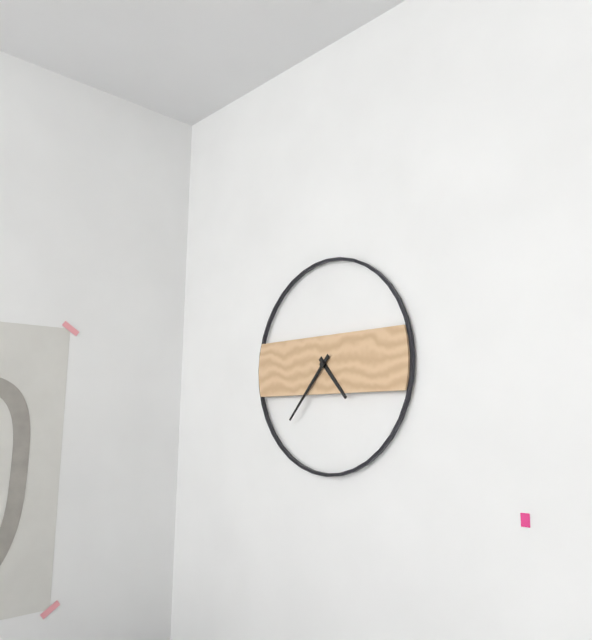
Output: h=4 m=37
